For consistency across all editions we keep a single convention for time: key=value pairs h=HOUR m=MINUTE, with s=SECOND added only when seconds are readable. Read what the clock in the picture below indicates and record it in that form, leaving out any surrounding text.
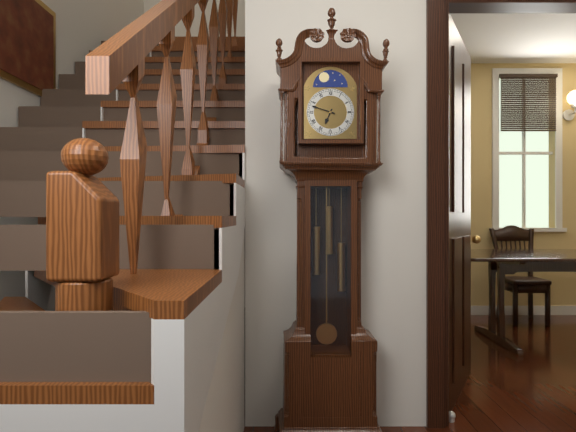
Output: h=6 m=48
